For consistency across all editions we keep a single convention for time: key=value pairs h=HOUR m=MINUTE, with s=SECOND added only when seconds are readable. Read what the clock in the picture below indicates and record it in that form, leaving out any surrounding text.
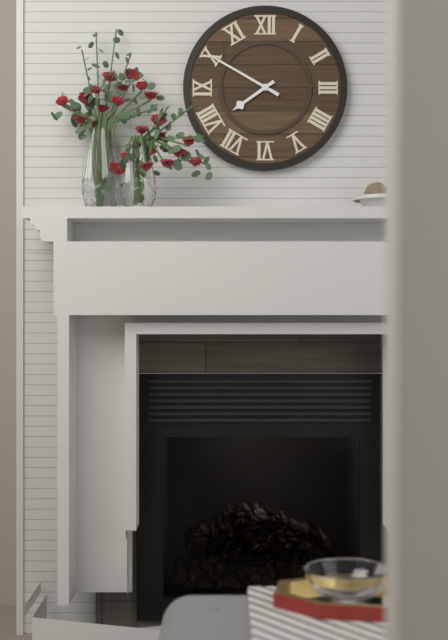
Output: h=7 m=50
